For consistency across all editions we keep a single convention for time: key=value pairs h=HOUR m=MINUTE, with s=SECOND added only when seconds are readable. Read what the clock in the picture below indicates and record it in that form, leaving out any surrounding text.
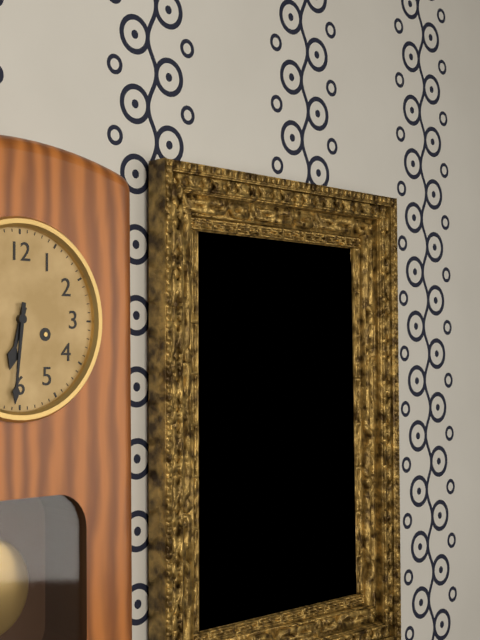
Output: h=6 m=31
